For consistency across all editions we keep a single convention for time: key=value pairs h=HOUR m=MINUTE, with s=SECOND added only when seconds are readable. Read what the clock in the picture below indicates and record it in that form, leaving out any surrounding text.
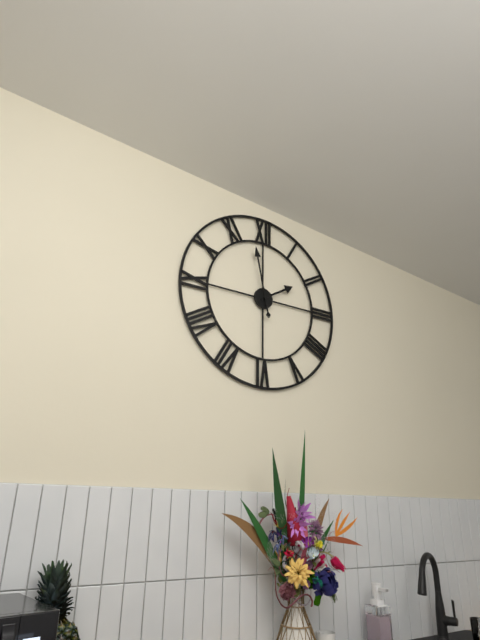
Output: h=1 m=58
